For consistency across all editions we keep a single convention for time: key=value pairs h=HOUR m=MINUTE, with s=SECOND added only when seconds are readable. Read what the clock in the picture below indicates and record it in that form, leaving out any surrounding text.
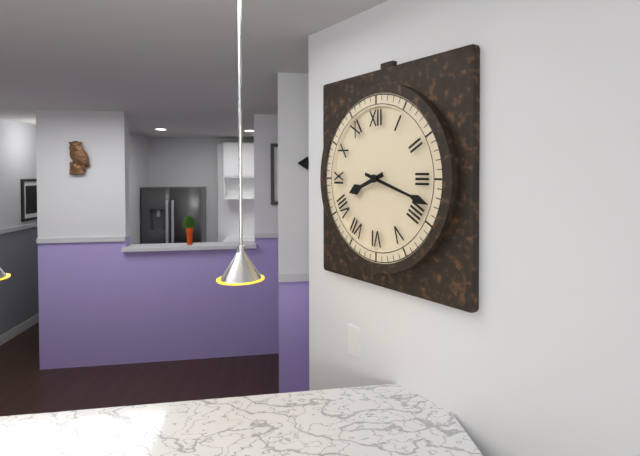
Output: h=8 m=18
